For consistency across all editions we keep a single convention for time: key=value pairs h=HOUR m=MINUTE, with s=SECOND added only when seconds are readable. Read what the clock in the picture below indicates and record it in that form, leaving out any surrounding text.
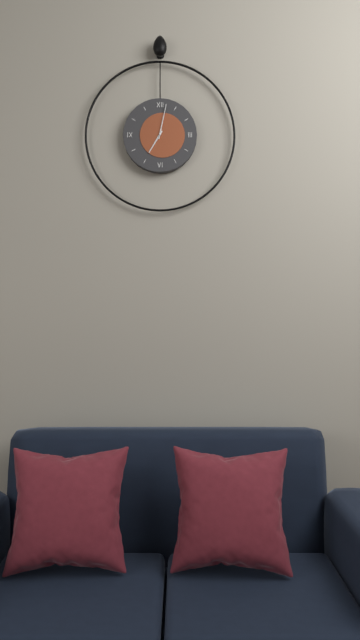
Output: h=7 m=2
